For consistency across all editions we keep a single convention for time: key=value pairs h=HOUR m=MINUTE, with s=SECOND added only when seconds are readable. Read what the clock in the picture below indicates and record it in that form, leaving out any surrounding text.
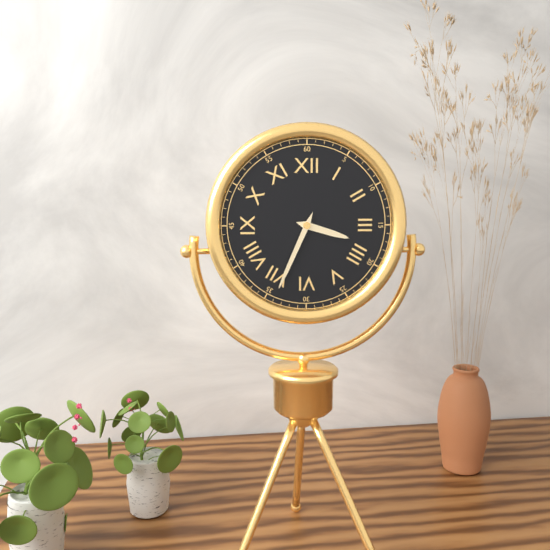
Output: h=3 m=34
